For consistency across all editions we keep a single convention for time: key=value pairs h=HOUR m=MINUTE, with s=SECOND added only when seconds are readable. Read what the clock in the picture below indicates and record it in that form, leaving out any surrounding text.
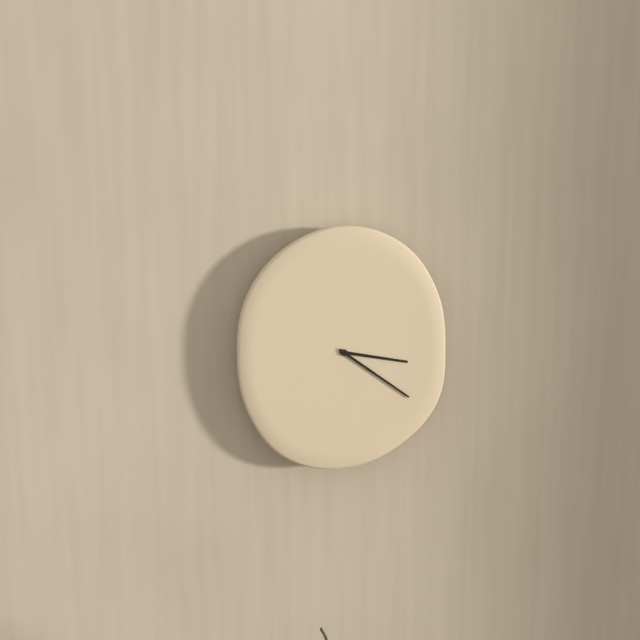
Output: h=3 m=21
